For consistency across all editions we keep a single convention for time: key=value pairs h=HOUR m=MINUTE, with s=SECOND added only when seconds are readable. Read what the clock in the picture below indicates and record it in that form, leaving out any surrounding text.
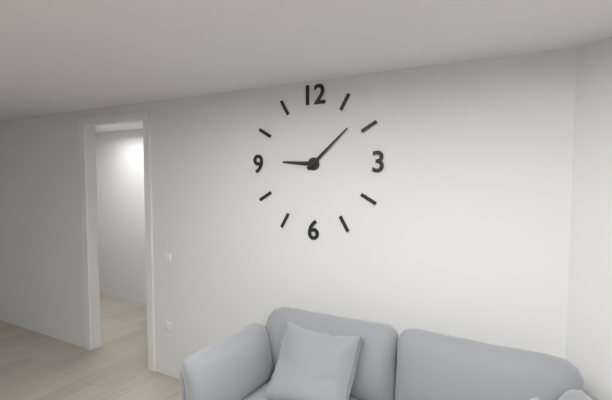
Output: h=9 m=8
